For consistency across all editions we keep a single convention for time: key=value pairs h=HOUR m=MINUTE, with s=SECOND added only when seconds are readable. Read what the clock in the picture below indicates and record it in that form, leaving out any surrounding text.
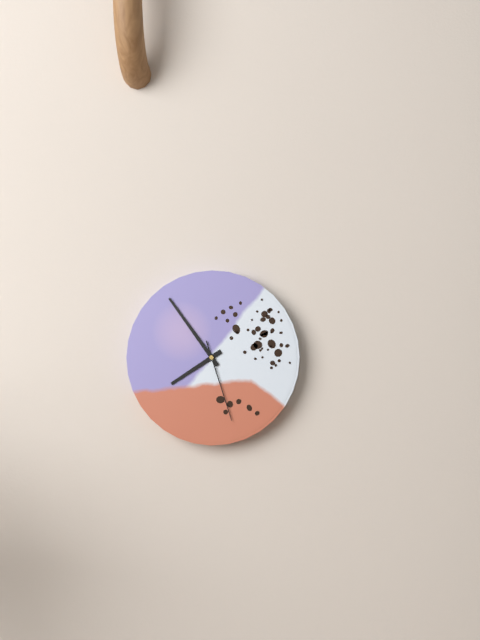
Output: h=7 m=54 s=27
